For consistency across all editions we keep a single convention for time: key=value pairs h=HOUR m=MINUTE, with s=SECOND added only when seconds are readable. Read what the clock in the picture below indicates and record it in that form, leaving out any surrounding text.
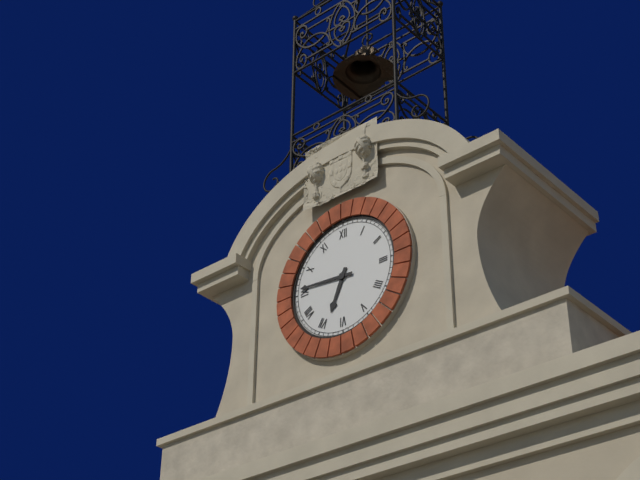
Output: h=6 m=46
